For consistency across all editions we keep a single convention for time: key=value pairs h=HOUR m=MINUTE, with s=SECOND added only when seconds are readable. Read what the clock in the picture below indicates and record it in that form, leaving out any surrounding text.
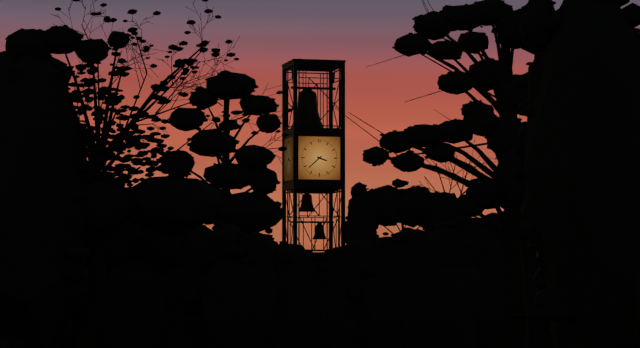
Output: h=3 m=38
